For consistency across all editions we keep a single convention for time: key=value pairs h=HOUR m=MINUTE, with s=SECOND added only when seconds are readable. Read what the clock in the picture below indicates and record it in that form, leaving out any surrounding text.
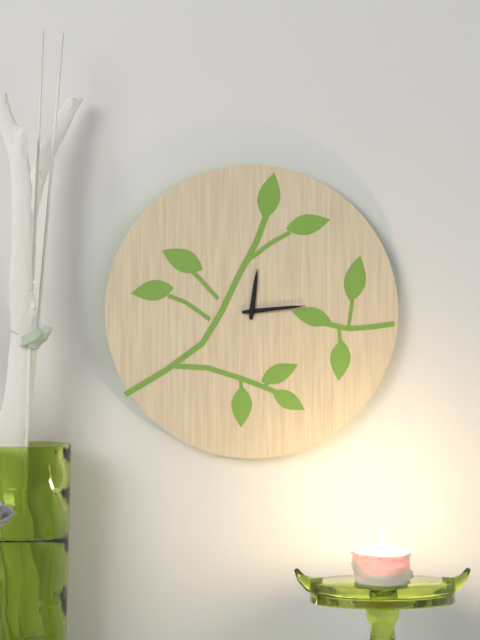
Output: h=12 m=14
